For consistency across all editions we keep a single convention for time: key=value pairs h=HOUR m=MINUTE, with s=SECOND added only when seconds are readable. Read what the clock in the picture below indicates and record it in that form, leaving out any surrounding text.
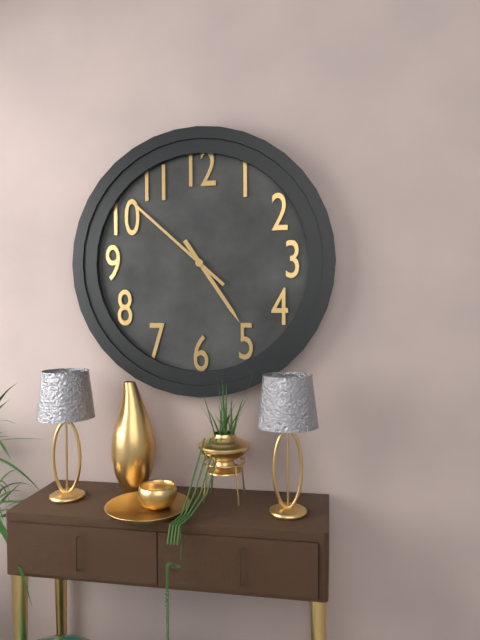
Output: h=4 m=52
